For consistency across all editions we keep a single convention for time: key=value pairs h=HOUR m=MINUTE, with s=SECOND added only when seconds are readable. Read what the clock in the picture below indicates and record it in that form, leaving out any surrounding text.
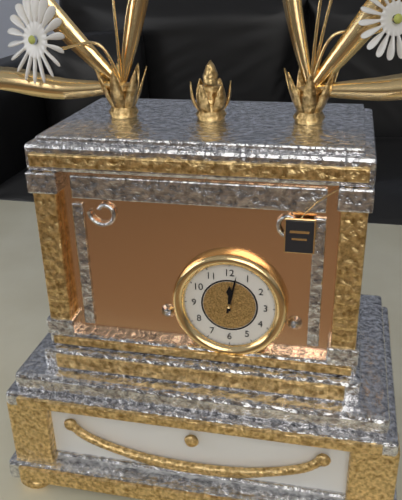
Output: h=12 m=2
